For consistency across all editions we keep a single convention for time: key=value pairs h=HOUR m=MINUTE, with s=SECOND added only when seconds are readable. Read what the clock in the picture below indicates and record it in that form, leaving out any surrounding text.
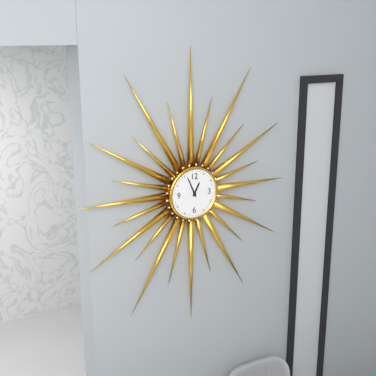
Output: h=12 m=56
